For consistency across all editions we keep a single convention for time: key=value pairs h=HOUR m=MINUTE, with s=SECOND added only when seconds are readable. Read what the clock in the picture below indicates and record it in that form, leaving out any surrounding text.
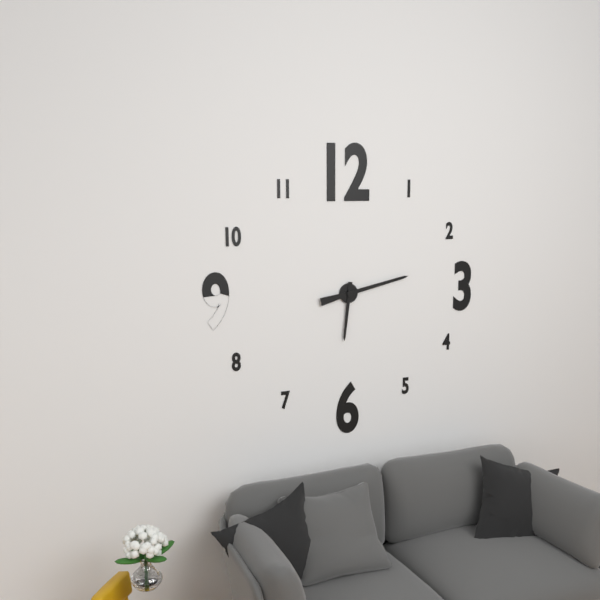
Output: h=6 m=13
